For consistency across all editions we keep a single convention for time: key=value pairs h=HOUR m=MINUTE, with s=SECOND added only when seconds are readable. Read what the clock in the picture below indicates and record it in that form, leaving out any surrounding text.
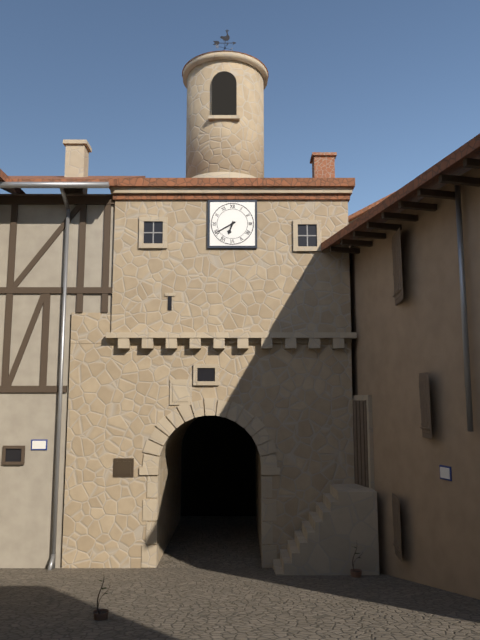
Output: h=6 m=40
